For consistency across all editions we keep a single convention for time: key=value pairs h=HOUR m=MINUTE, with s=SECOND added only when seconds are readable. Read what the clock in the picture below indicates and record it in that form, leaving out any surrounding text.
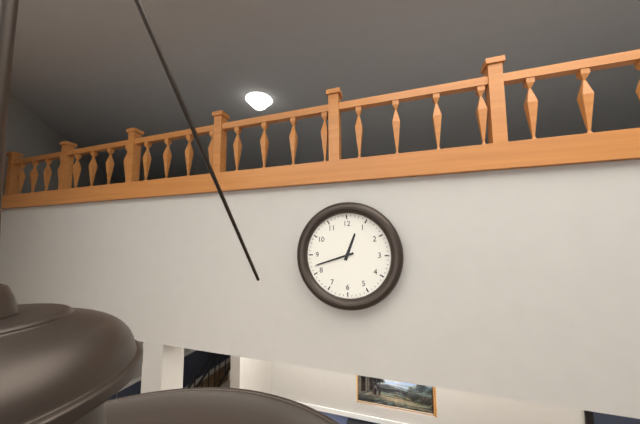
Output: h=12 m=42
